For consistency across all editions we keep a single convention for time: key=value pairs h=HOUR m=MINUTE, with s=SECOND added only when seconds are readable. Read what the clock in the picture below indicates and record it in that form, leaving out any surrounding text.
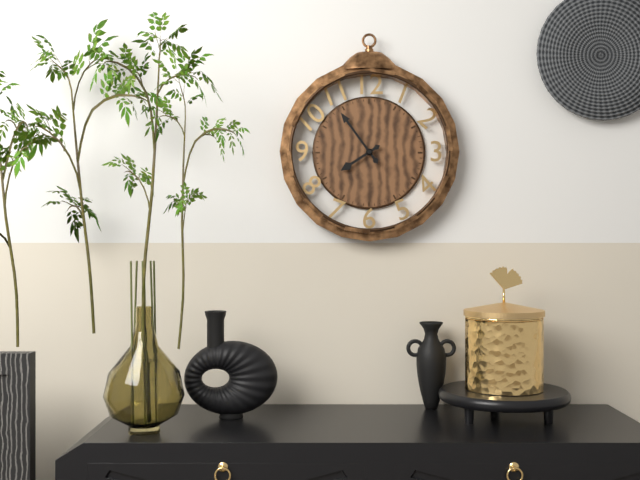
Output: h=7 m=54
